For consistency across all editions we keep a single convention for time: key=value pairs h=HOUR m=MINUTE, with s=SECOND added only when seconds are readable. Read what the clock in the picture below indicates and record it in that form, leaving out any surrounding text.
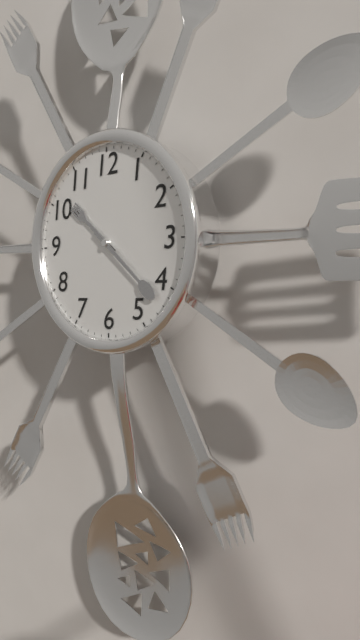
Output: h=10 m=22
